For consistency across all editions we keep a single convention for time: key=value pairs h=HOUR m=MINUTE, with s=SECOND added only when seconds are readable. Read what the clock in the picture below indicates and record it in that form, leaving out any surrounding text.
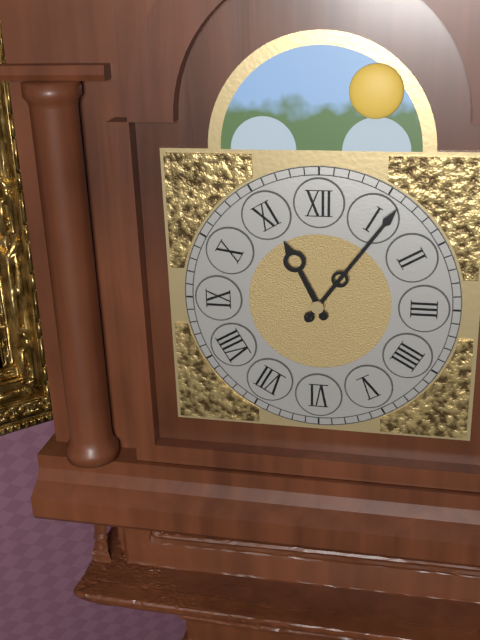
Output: h=11 m=6
